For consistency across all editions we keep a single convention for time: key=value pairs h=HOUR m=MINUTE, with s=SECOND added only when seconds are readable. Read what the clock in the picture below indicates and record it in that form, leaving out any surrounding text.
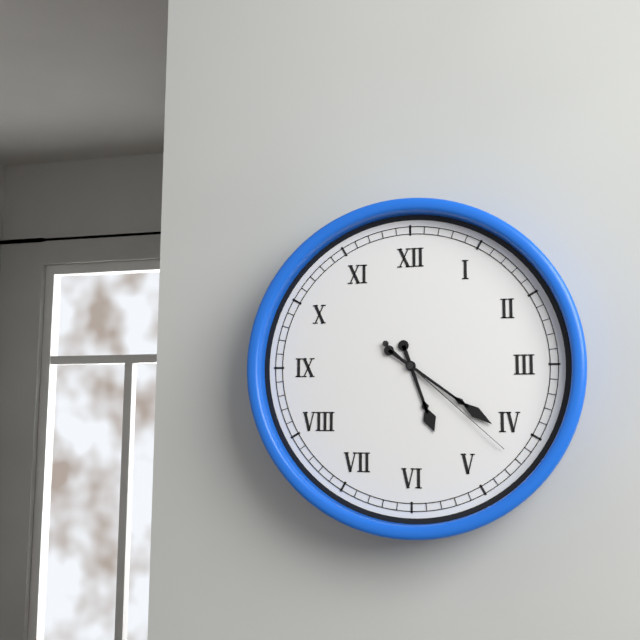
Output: h=5 m=21 s=22
